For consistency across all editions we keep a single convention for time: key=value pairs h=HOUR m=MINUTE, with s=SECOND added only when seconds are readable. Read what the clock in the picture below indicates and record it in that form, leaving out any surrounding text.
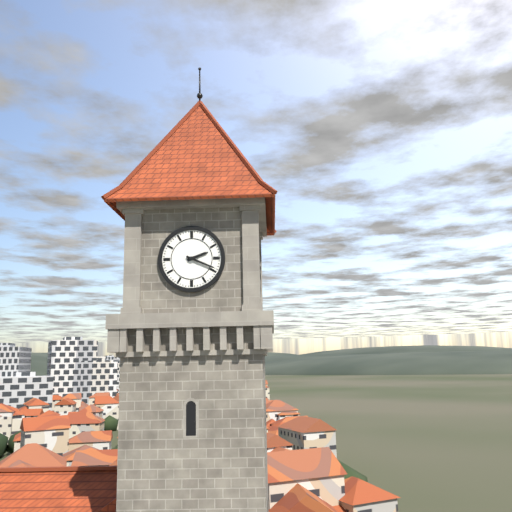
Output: h=2 m=19
